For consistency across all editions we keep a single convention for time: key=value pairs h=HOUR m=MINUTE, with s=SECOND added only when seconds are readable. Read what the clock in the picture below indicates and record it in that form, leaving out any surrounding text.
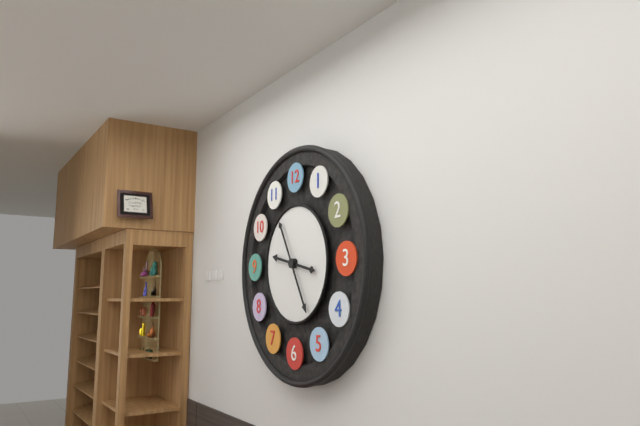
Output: h=9 m=25
